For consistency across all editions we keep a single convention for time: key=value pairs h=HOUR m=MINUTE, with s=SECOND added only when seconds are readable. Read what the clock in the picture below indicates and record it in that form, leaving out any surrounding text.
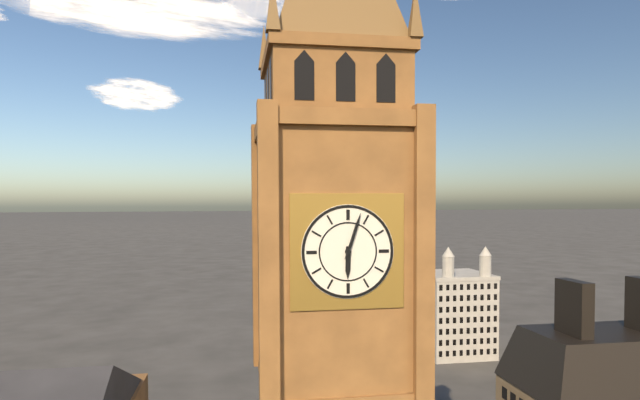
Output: h=6 m=3
